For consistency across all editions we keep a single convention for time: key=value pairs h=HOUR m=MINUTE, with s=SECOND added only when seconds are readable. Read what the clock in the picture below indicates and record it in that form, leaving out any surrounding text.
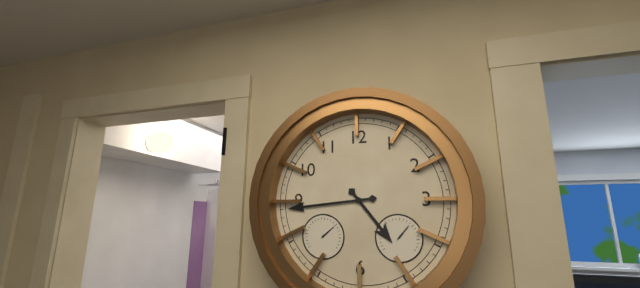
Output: h=4 m=44
